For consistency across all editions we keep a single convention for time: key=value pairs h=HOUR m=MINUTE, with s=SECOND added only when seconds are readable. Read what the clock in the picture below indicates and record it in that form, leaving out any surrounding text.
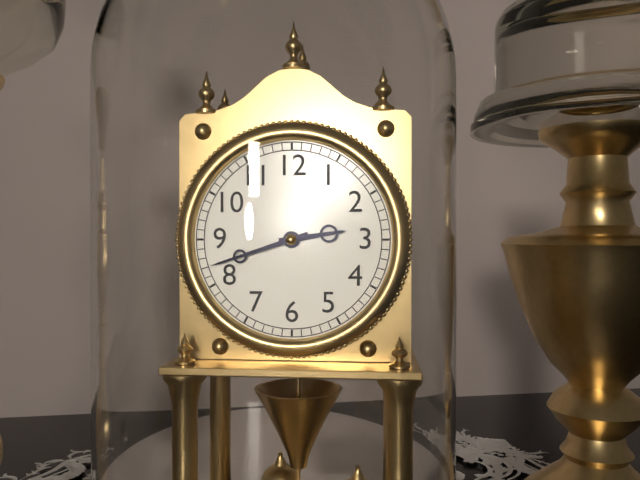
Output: h=2 m=42
